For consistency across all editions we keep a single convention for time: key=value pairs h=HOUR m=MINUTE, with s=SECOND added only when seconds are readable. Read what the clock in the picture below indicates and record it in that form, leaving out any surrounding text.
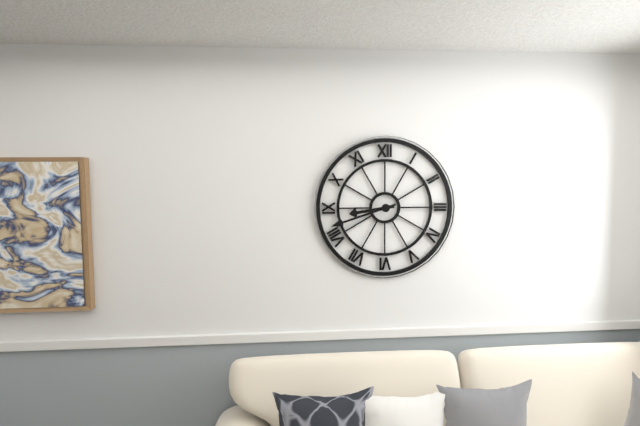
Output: h=8 m=42
